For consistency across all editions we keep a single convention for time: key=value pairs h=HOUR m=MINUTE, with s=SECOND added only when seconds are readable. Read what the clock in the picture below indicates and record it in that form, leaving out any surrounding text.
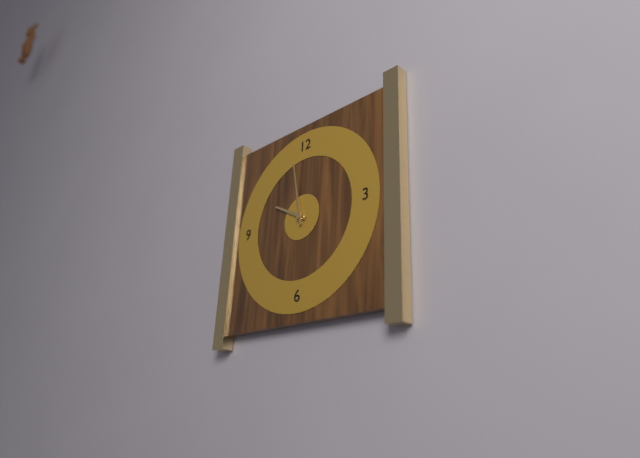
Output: h=9 m=58
